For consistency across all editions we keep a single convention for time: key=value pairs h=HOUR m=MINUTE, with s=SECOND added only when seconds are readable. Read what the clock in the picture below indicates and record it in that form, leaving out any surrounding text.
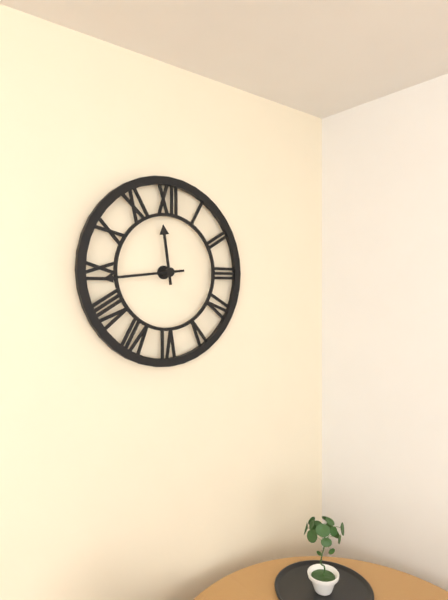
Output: h=11 m=44
